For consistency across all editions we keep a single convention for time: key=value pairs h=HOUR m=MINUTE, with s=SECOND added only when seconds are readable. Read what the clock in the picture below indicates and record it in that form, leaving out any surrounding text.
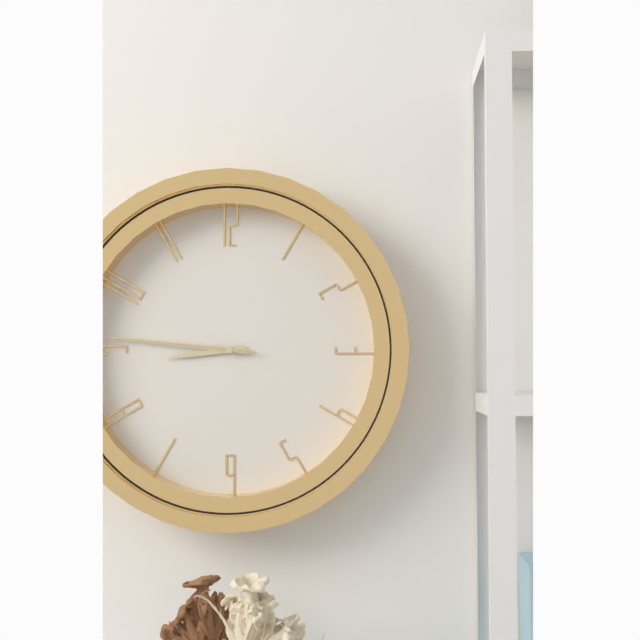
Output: h=8 m=46 s=46
